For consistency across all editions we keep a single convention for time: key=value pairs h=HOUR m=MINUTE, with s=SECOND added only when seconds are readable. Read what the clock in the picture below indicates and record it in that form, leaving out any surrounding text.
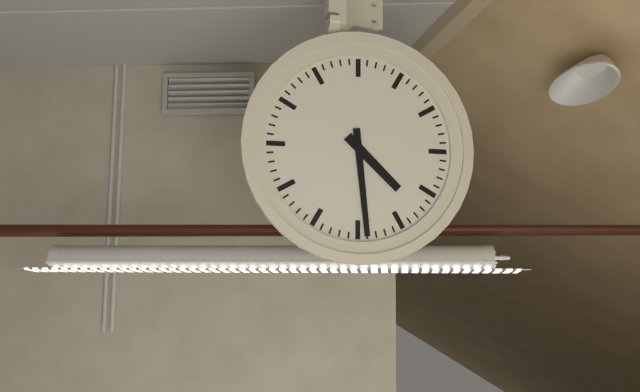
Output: h=4 m=29
